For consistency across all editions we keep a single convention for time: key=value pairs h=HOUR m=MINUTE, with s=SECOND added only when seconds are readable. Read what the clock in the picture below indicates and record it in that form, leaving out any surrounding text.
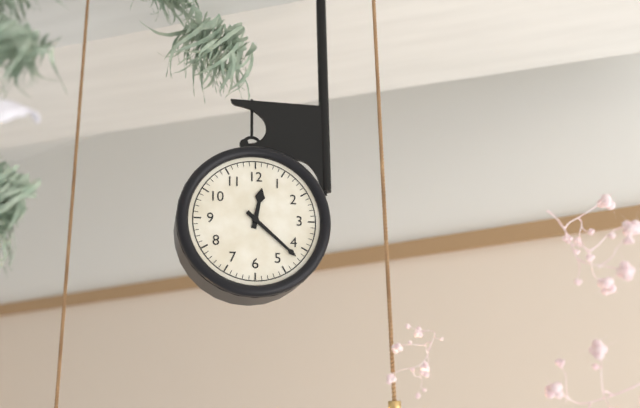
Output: h=12 m=22
